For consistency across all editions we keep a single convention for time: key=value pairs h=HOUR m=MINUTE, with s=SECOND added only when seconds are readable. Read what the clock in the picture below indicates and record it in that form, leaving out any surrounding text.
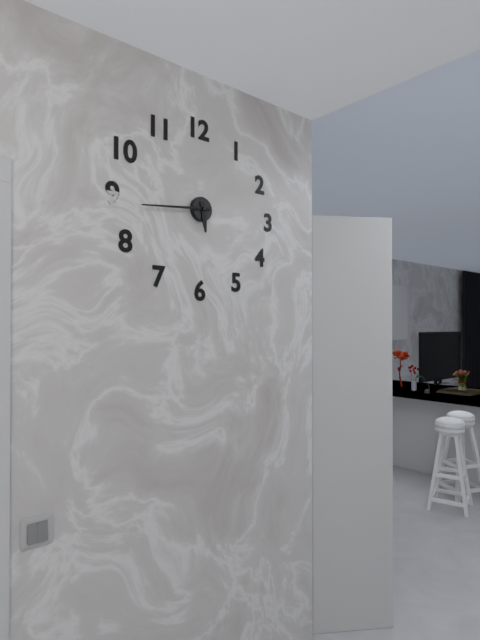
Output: h=5 m=44
